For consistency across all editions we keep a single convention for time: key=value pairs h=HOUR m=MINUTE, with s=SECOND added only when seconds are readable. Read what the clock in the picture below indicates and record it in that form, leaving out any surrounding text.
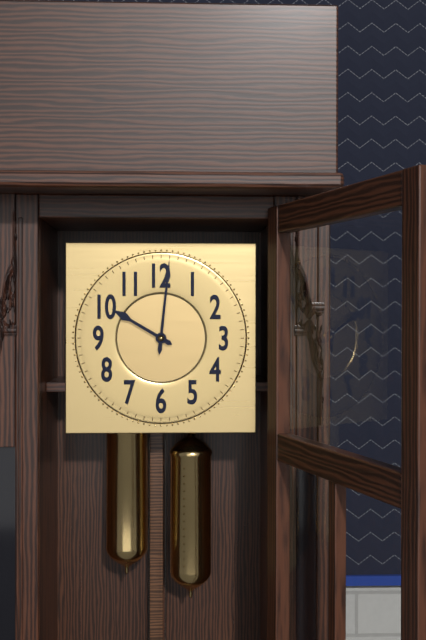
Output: h=10 m=1
